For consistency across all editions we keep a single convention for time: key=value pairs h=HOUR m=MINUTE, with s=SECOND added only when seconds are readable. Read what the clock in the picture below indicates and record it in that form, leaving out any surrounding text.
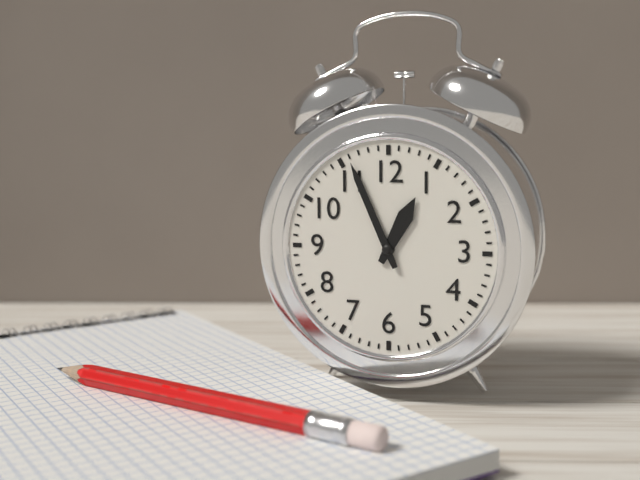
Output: h=12 m=56
